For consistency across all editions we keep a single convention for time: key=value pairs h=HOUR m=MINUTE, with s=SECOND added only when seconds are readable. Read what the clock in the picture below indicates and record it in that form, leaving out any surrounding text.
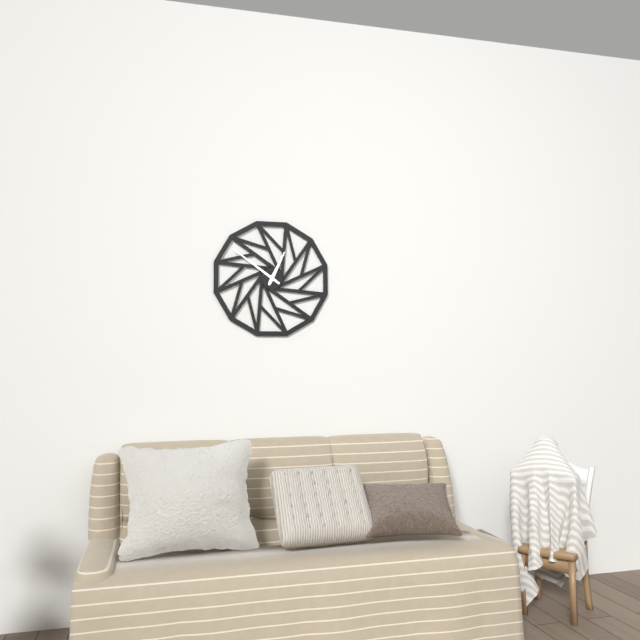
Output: h=12 m=51
